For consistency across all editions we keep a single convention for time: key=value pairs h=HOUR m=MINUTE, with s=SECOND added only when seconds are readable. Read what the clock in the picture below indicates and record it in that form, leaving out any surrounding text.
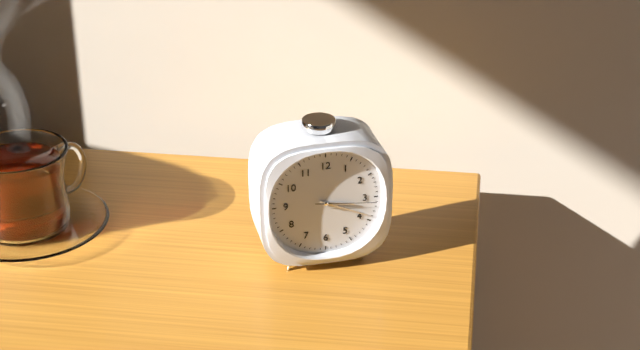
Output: h=3 m=19 s=16
